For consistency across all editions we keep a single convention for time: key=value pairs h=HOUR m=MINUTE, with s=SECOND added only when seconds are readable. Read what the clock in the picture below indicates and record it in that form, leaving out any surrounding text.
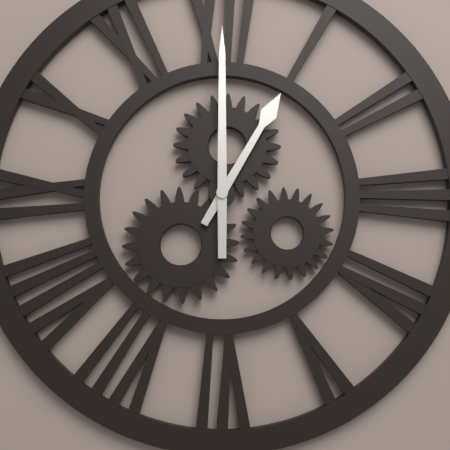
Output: h=1 m=0
